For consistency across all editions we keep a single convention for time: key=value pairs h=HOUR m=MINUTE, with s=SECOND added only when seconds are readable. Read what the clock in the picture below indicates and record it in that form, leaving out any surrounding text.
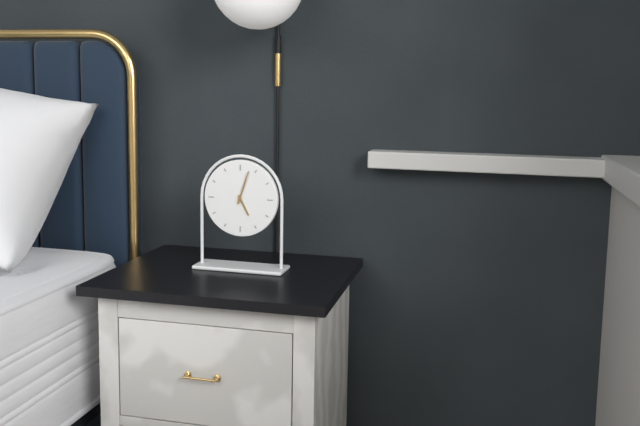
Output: h=5 m=3
